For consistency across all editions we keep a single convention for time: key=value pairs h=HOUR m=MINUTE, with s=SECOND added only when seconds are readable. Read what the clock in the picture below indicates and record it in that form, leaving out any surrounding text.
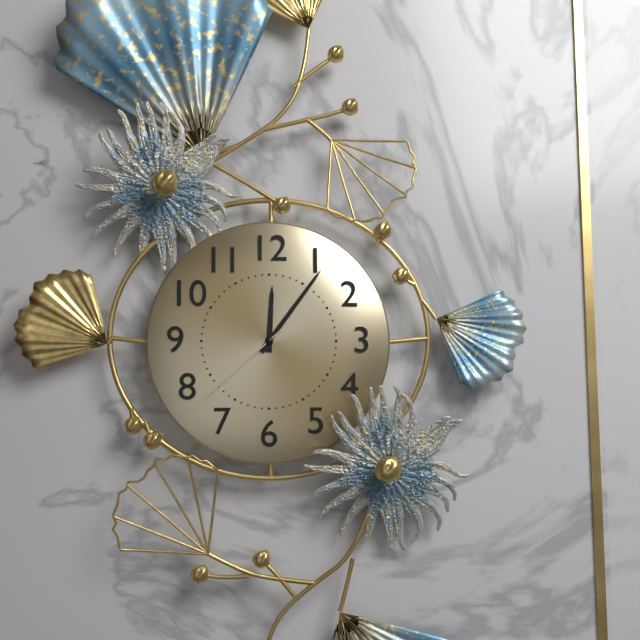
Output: h=12 m=6 s=38
